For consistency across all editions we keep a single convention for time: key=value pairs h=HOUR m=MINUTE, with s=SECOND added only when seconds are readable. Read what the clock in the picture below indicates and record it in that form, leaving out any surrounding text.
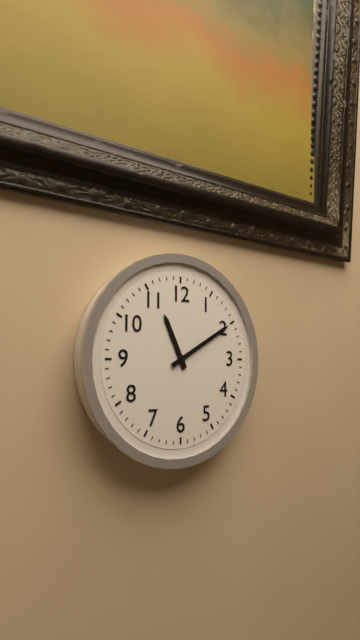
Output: h=11 m=10
